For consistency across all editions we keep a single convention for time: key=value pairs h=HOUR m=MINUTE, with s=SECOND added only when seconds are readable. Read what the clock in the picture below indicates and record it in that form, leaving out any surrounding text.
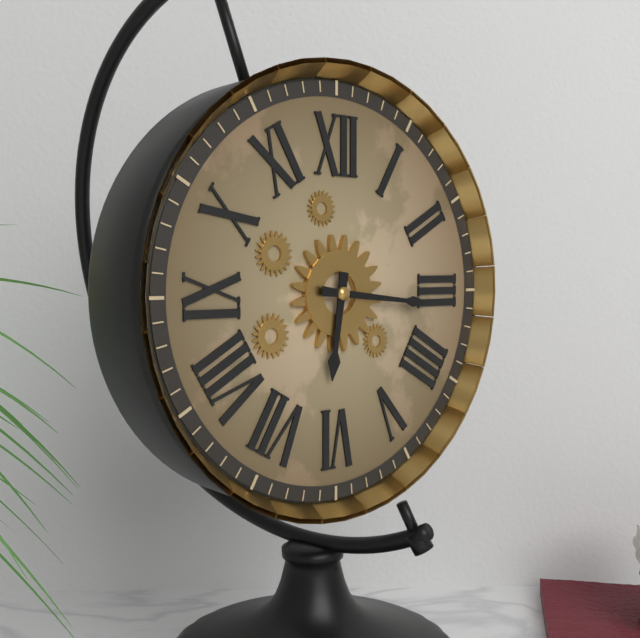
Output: h=6 m=16
